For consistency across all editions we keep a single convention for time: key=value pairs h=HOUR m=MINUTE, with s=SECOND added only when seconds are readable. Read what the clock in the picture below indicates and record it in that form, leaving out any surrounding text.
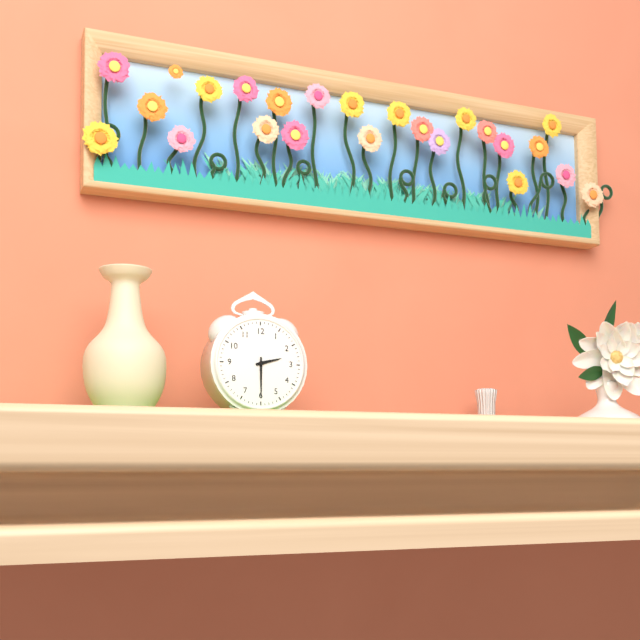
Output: h=2 m=30
